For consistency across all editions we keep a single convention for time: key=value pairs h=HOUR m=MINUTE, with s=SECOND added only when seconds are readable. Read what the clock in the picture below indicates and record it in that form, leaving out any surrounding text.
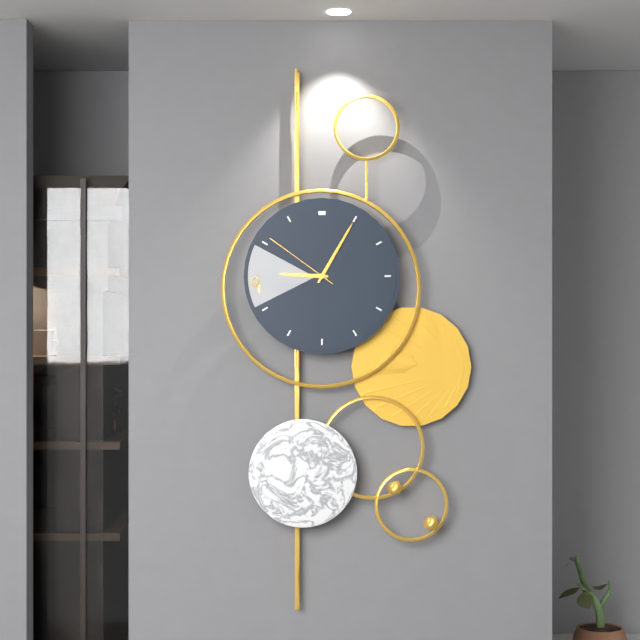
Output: h=9 m=5 s=51
